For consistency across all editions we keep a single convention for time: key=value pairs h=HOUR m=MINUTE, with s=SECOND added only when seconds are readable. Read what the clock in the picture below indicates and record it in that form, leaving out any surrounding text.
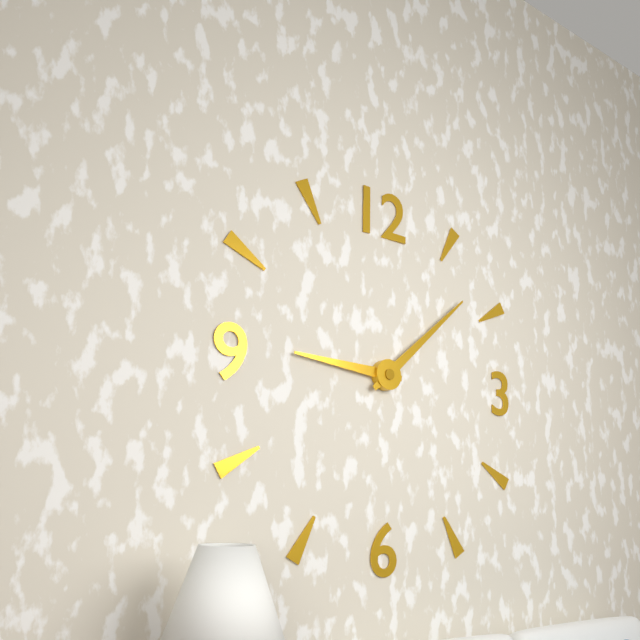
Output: h=9 m=8
